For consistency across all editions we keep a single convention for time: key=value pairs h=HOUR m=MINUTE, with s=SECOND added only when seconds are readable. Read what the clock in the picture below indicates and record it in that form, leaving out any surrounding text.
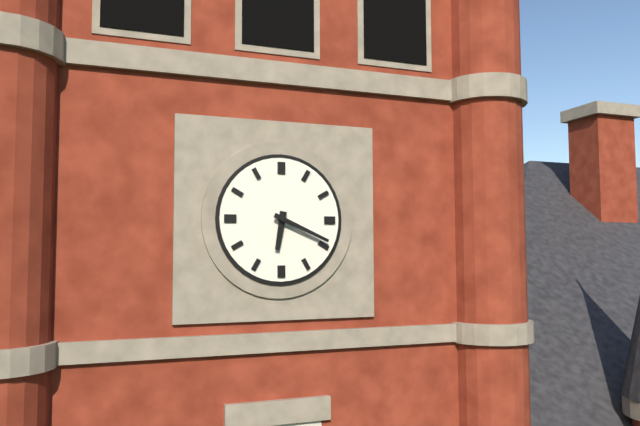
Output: h=6 m=19
